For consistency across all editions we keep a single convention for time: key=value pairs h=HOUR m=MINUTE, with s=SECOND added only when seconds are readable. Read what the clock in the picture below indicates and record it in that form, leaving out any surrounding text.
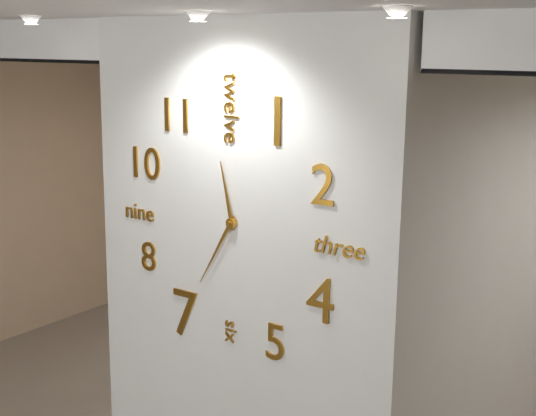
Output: h=11 m=35
